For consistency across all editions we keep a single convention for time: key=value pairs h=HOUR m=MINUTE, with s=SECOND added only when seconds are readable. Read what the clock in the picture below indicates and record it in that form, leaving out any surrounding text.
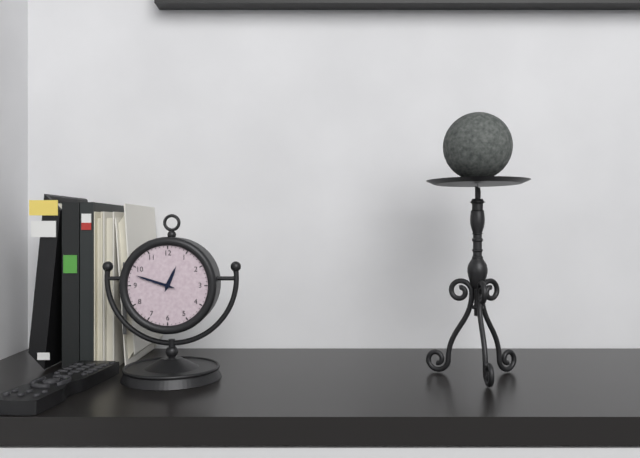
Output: h=12 m=48
